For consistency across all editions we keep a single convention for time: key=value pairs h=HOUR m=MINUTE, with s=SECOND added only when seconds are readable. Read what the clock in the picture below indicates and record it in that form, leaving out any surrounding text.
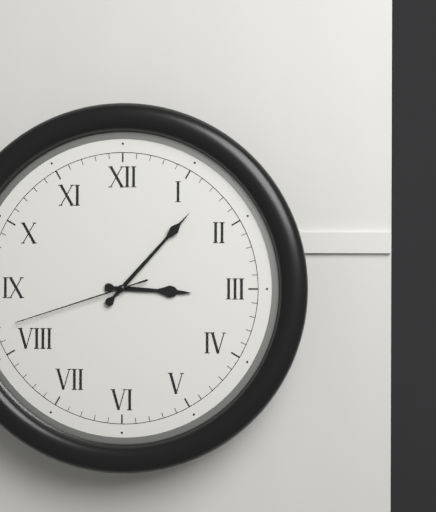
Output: h=3 m=7 s=42
